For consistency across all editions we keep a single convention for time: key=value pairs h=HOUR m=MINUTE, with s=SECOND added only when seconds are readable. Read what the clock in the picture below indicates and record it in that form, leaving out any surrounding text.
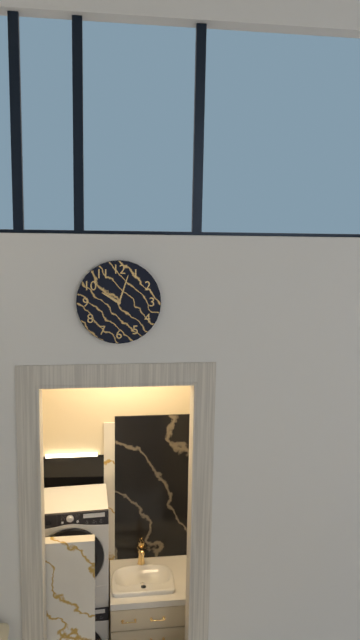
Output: h=10 m=3
